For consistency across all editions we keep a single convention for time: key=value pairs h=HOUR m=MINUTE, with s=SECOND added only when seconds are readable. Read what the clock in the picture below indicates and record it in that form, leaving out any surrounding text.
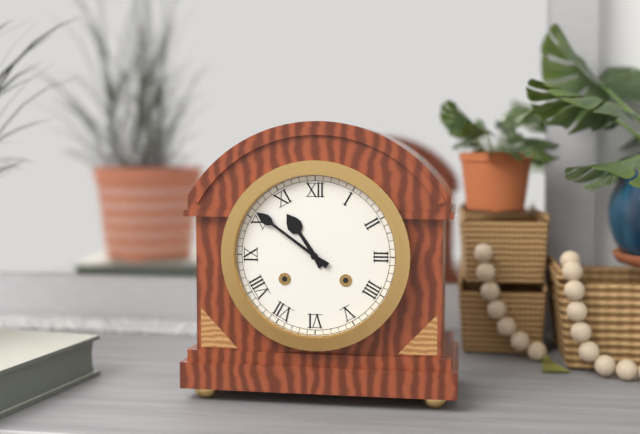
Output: h=10 m=51
